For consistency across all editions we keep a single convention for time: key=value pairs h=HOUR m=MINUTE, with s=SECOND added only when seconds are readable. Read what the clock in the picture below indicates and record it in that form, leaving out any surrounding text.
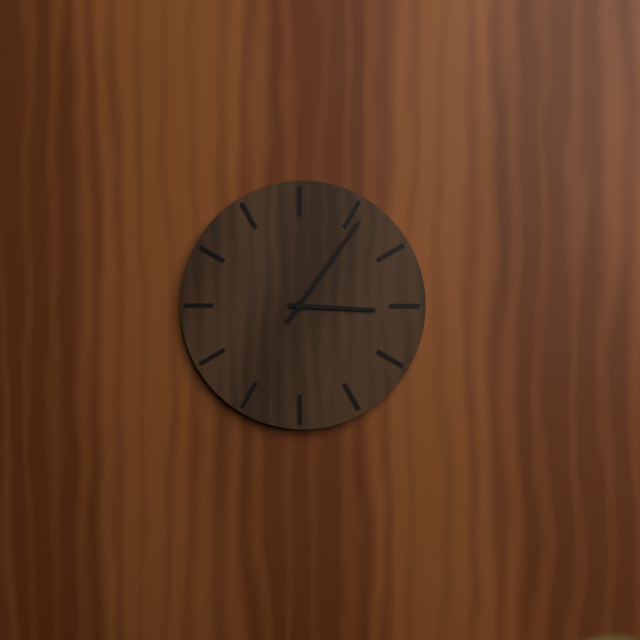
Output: h=3 m=6
